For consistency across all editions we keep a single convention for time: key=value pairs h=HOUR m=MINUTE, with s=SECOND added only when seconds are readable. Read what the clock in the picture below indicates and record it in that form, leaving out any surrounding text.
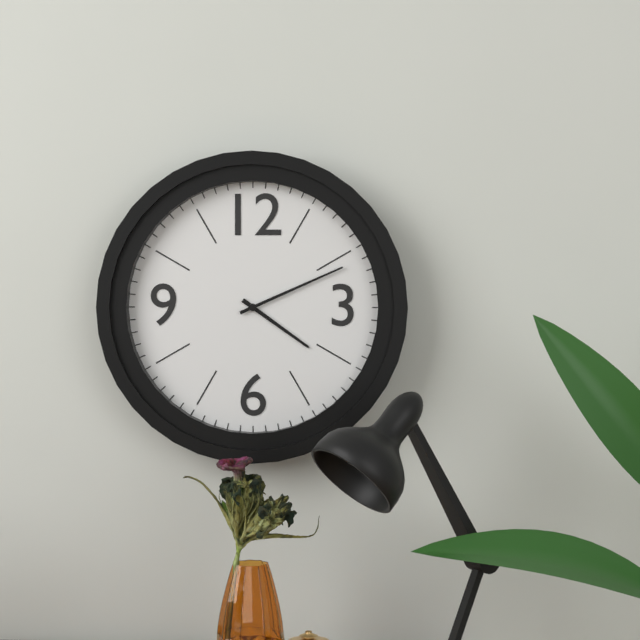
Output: h=4 m=11
